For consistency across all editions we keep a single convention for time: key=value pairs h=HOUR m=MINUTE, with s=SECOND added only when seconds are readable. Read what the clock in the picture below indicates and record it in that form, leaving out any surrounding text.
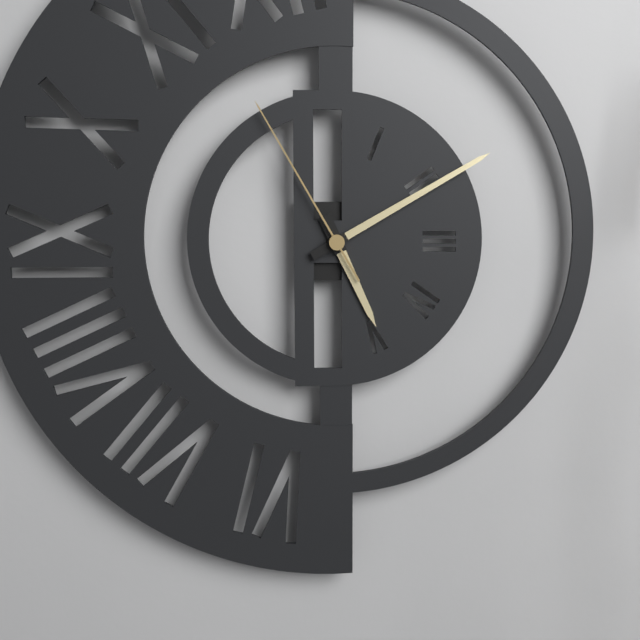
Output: h=5 m=10 s=55
